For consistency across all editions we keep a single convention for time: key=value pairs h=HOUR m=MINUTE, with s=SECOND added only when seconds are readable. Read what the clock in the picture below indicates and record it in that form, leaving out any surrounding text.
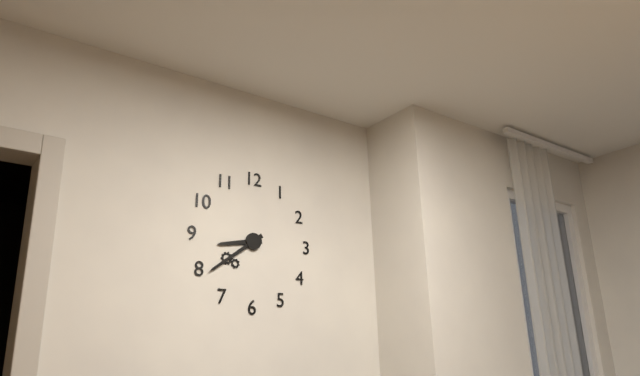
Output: h=8 m=39
